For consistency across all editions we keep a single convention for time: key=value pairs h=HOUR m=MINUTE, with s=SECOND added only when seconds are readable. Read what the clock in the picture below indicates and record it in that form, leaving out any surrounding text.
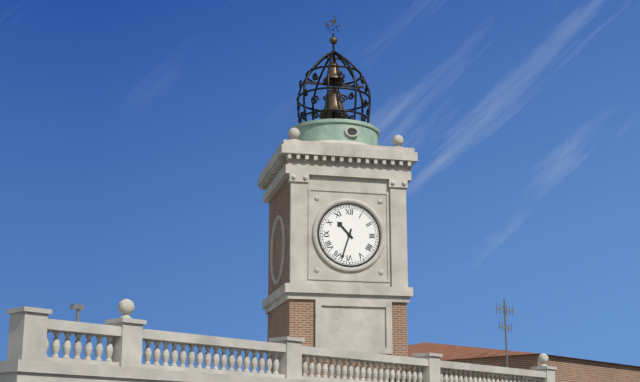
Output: h=10 m=33
